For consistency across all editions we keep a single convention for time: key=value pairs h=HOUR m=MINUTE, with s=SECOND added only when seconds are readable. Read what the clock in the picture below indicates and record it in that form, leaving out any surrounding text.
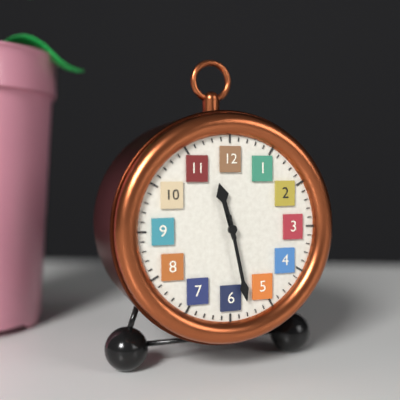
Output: h=11 m=28
